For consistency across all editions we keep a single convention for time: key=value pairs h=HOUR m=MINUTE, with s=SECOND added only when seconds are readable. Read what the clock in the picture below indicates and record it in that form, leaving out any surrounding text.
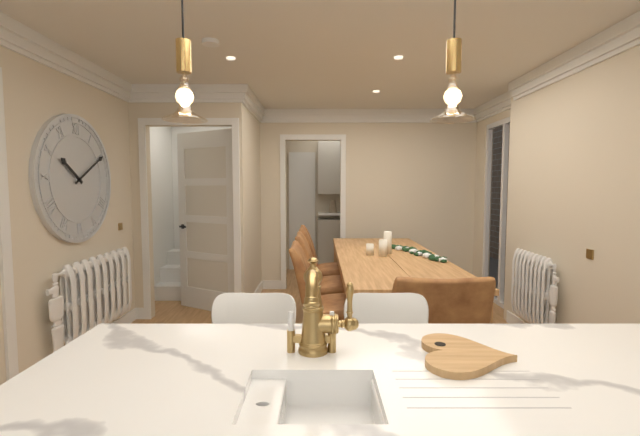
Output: h=10 m=10
